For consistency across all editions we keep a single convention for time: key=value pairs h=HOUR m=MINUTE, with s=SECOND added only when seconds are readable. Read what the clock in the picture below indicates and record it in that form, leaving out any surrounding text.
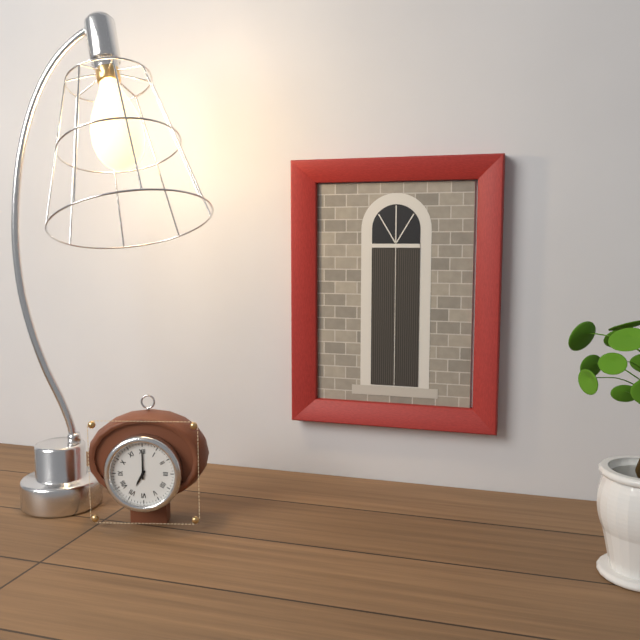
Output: h=7 m=0
